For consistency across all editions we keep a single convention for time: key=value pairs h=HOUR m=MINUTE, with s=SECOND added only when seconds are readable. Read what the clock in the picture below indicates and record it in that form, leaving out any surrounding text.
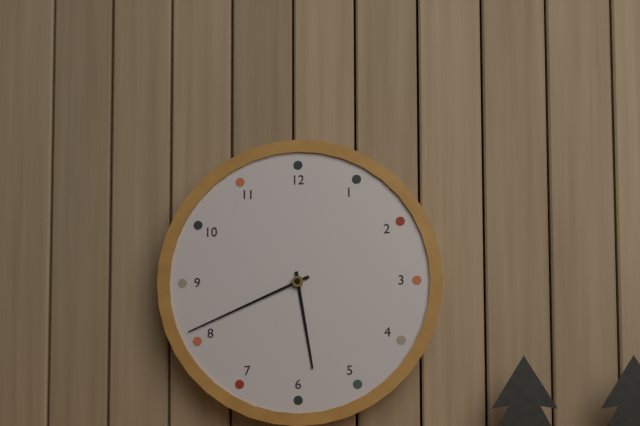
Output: h=5 m=41
